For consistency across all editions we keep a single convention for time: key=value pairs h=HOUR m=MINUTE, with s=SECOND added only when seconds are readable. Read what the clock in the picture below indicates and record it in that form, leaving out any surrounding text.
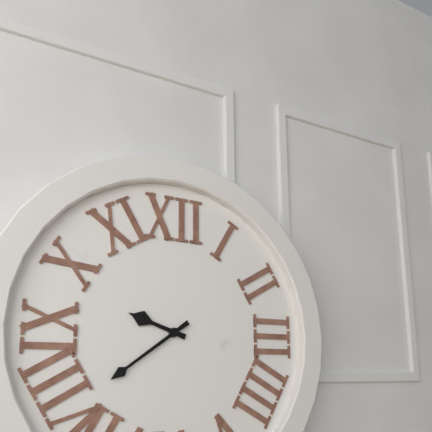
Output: h=9 m=39
